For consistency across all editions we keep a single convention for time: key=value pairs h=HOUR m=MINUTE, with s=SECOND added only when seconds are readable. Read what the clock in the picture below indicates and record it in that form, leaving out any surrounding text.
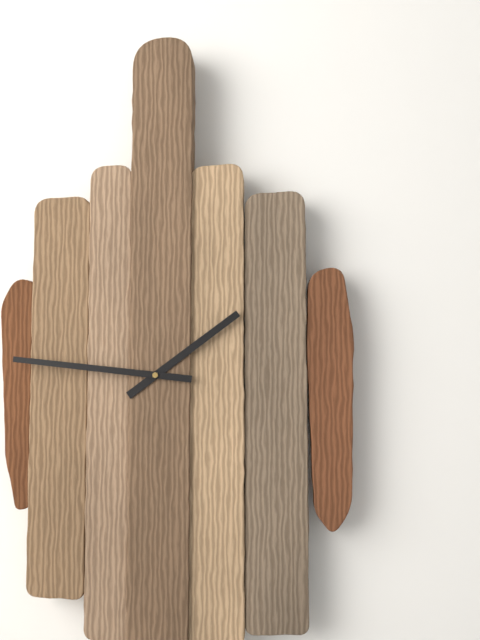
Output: h=1 m=46
